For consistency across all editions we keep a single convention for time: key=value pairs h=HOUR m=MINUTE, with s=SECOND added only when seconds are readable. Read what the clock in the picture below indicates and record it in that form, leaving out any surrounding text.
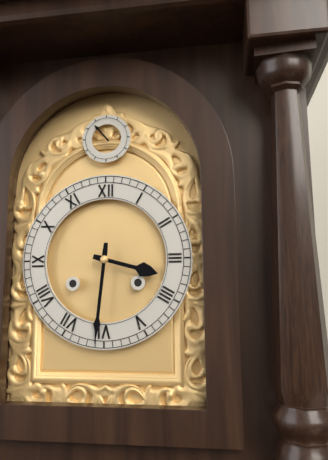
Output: h=3 m=31
